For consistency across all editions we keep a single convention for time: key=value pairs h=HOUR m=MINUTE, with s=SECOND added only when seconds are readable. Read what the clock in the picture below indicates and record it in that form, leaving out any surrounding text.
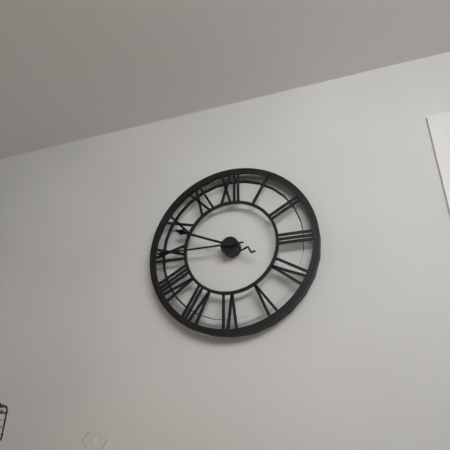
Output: h=9 m=45
